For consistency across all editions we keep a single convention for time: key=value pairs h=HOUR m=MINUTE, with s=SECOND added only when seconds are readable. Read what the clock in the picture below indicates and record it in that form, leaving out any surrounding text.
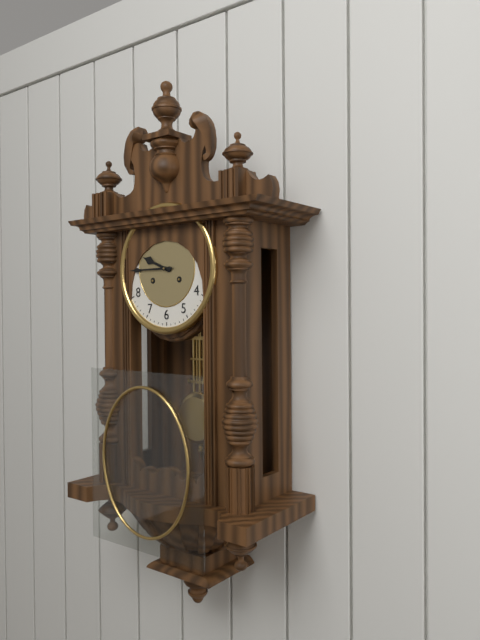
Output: h=9 m=45
